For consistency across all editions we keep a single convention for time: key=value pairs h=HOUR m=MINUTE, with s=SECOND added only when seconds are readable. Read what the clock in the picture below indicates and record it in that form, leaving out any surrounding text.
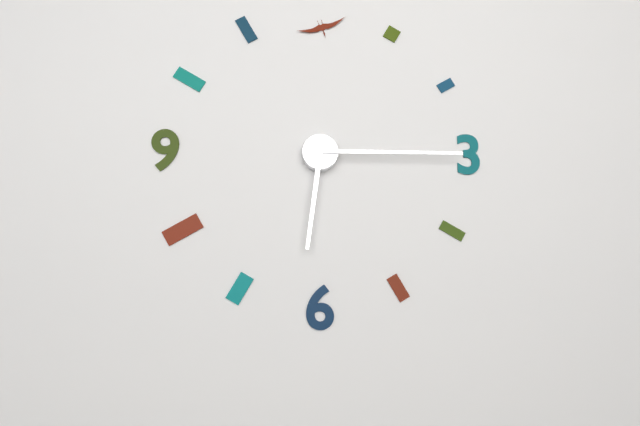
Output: h=6 m=15
